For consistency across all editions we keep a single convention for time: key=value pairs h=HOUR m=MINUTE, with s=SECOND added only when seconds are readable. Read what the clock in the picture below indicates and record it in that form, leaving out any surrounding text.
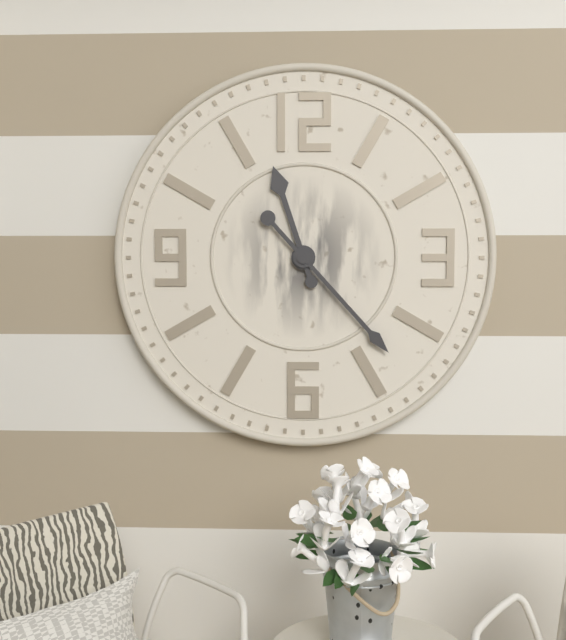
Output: h=11 m=23
